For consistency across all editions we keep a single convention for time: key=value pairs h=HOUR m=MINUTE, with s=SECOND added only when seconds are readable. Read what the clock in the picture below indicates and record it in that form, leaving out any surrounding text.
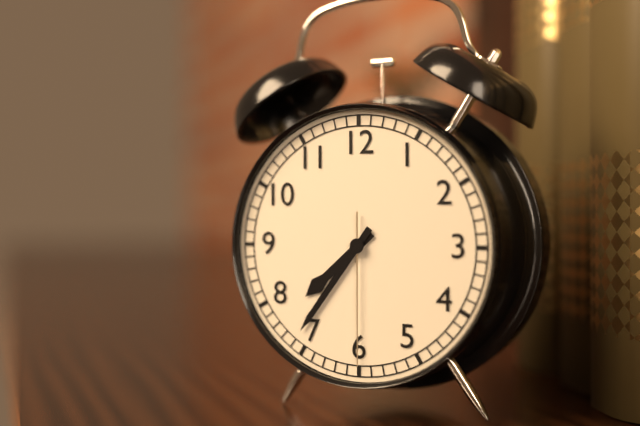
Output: h=7 m=36 s=30
